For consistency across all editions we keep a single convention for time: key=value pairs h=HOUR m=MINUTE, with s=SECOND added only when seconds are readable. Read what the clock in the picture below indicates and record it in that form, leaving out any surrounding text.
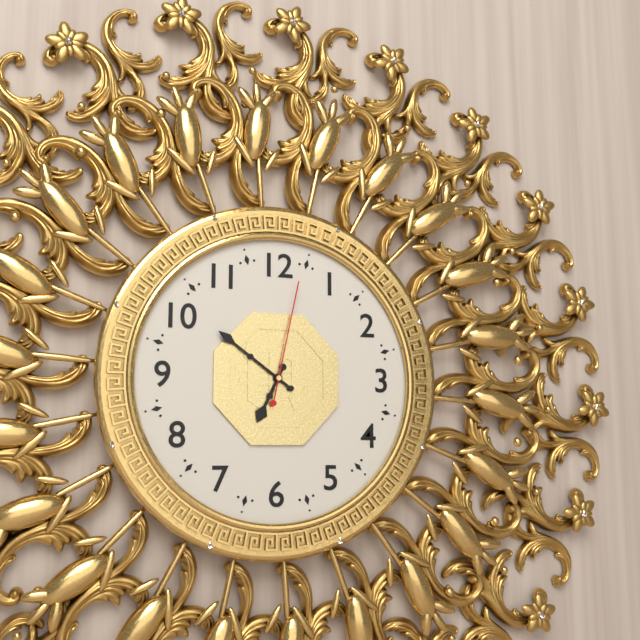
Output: h=6 m=51 s=2
